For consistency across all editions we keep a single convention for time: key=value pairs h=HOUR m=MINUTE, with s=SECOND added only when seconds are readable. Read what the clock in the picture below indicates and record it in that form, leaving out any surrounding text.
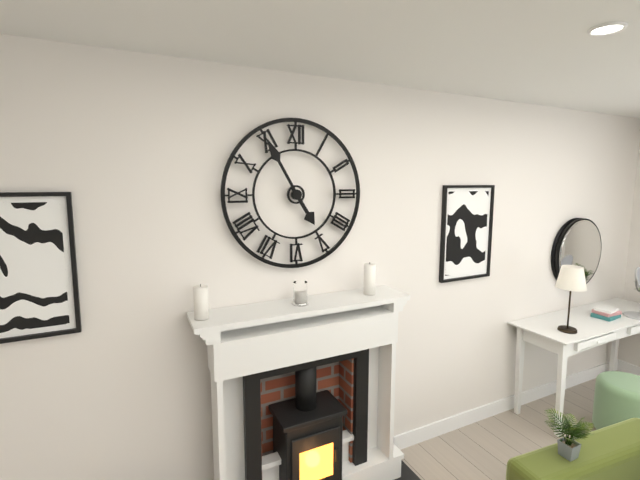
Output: h=4 m=55
